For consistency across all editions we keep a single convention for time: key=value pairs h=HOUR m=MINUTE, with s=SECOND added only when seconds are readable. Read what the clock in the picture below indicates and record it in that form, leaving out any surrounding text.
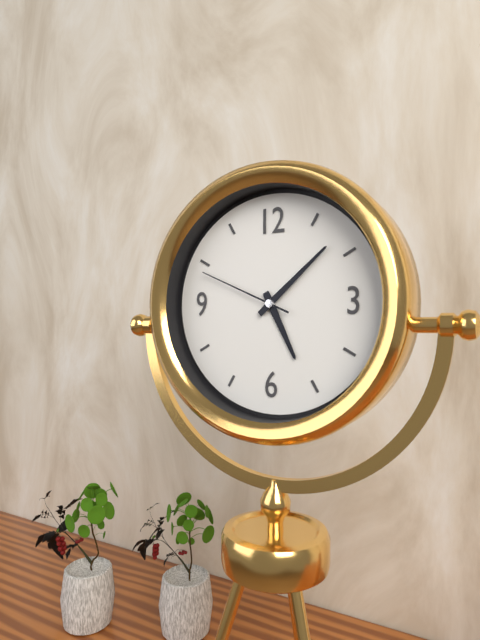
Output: h=5 m=8 s=49
